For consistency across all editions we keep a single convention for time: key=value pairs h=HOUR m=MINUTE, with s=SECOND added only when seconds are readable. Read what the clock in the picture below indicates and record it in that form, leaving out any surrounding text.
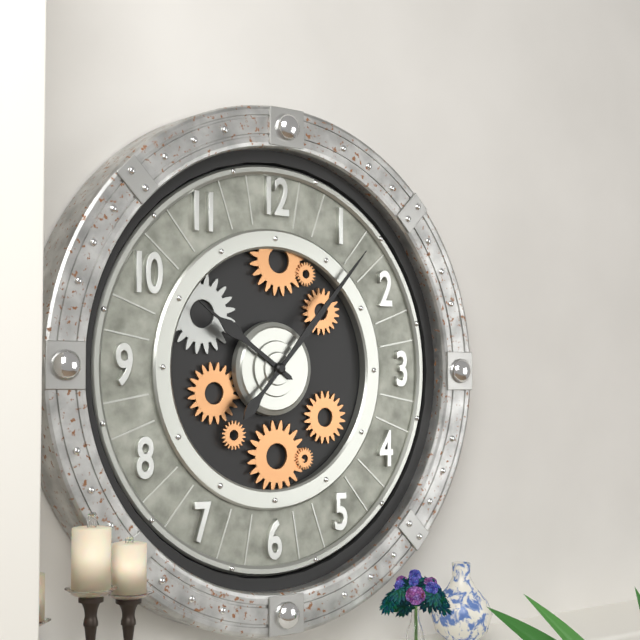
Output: h=10 m=7
